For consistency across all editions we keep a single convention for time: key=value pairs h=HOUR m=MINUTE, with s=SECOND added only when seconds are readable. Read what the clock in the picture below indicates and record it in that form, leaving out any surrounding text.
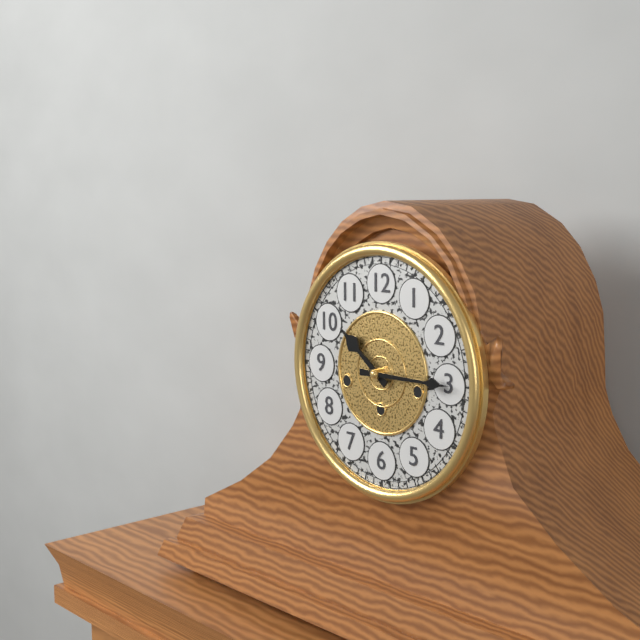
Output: h=10 m=15
